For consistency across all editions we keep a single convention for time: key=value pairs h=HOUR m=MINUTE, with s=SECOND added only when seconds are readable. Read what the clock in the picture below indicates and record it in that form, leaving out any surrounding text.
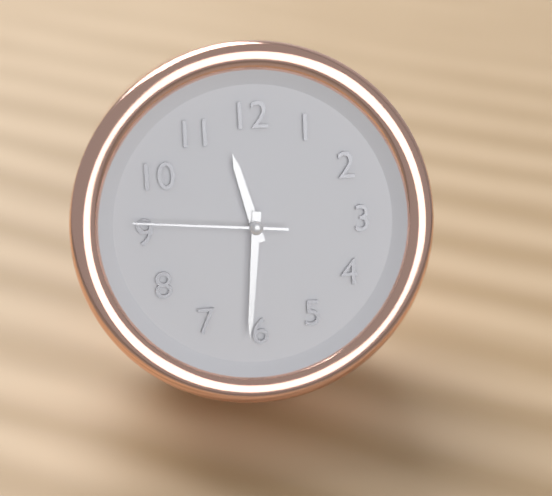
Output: h=11 m=31 s=46
